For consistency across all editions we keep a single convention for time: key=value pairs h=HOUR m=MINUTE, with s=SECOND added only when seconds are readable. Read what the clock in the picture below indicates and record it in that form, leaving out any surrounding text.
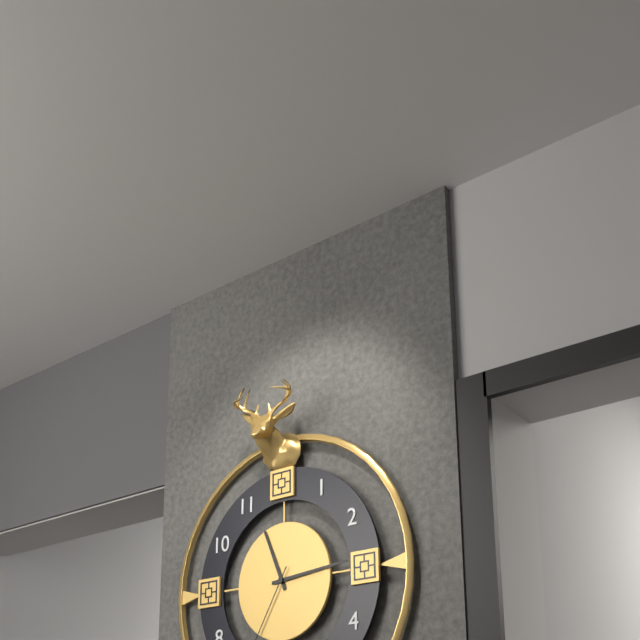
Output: h=11 m=14
